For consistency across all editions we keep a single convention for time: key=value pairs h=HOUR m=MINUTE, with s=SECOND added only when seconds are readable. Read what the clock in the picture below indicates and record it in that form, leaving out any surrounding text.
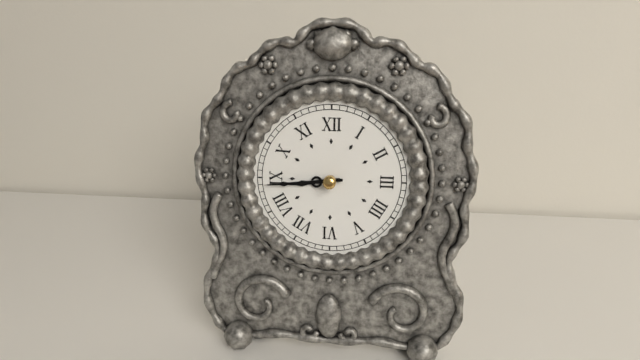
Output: h=8 m=44
